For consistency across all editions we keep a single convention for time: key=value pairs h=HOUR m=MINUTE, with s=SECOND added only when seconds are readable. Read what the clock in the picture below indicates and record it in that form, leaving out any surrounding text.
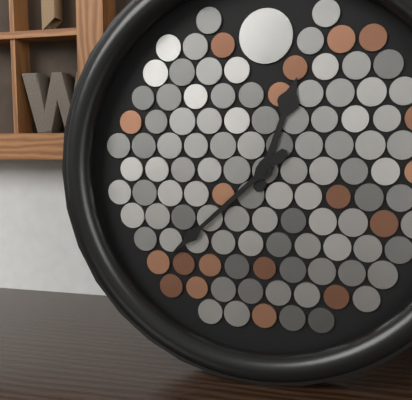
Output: h=12 m=38
